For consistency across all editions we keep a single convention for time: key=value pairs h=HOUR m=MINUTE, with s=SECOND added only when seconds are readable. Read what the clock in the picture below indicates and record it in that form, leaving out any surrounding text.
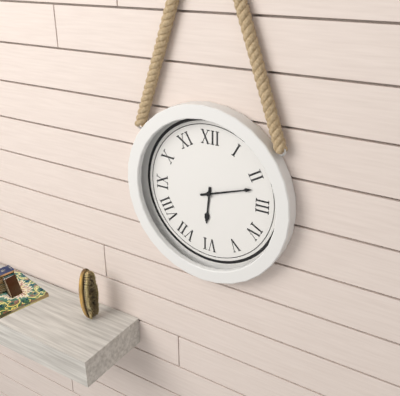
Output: h=6 m=12
